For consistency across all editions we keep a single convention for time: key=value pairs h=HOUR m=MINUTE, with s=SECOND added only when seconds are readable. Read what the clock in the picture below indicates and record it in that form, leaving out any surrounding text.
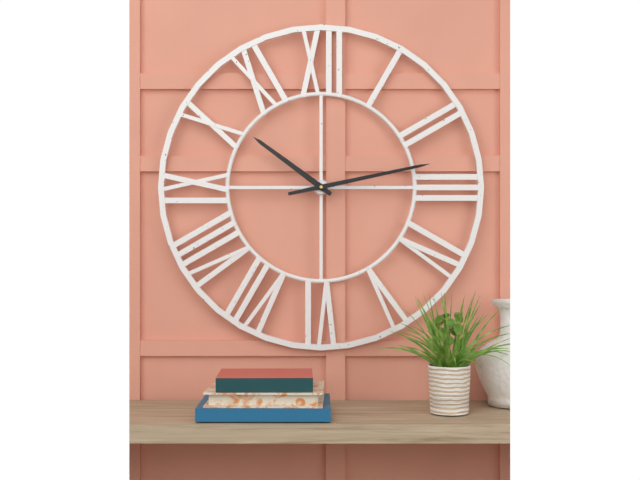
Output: h=10 m=13
